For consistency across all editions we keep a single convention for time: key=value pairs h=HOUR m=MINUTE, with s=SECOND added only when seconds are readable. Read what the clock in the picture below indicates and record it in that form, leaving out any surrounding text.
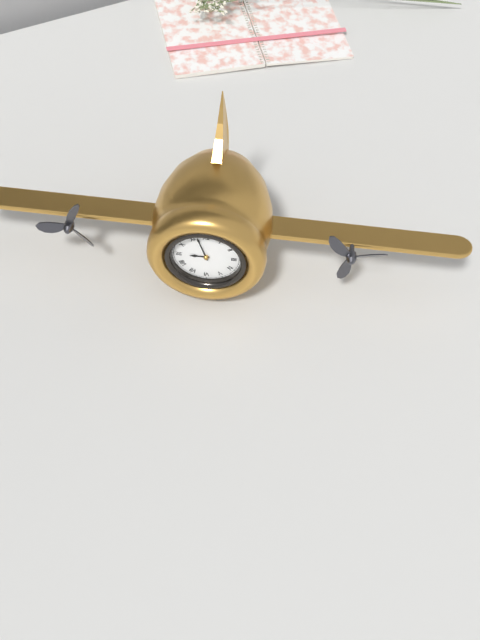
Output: h=8 m=57
